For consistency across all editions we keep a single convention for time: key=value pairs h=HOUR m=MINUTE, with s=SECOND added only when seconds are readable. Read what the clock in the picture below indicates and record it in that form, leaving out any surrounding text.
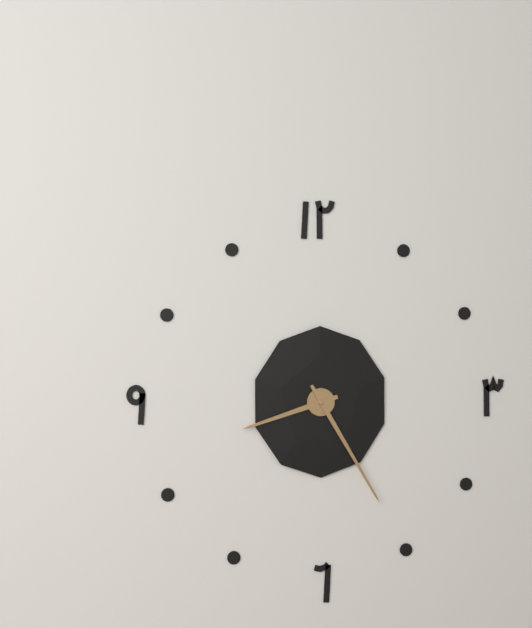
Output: h=8 m=25
